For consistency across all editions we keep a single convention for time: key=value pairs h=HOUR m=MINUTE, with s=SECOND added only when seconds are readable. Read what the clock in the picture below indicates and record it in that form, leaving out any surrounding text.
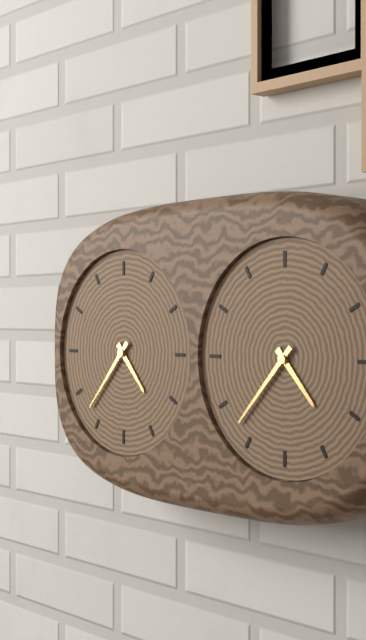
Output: h=4 m=37
